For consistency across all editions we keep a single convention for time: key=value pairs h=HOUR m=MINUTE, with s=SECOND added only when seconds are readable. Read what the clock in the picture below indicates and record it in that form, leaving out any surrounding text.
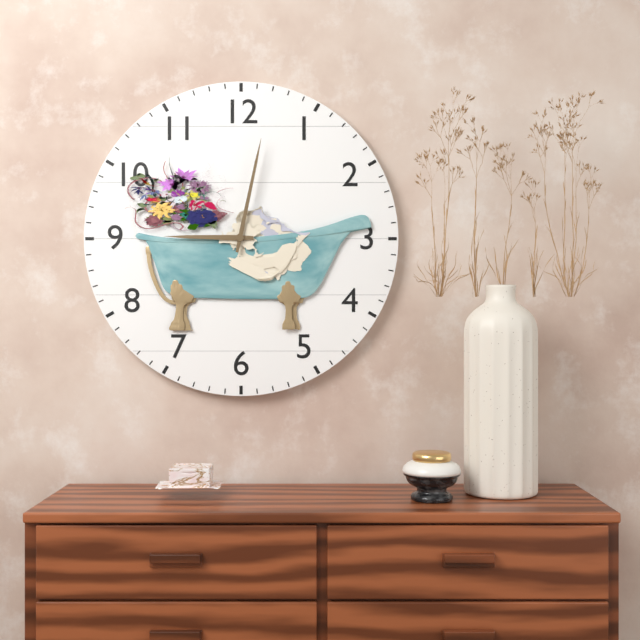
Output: h=9 m=2
